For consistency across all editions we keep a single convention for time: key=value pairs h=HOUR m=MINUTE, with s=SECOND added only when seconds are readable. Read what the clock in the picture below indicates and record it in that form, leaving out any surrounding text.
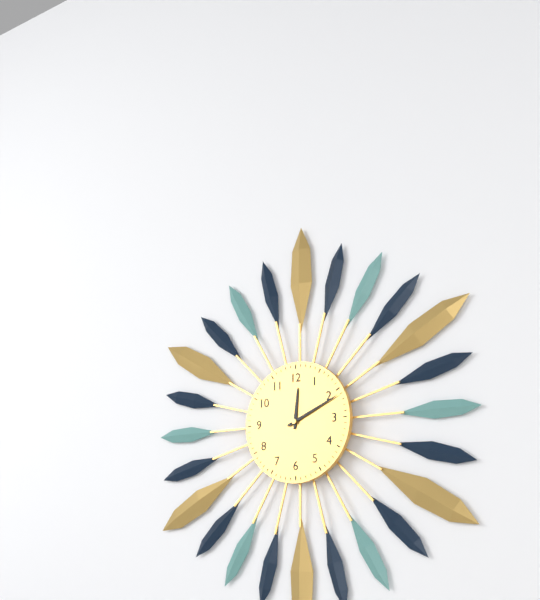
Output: h=12 m=11
